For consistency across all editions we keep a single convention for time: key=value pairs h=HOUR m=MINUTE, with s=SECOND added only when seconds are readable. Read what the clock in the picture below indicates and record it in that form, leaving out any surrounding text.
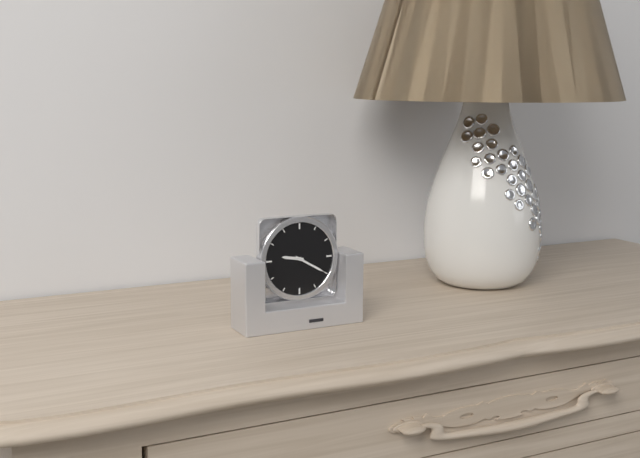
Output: h=9 m=20
